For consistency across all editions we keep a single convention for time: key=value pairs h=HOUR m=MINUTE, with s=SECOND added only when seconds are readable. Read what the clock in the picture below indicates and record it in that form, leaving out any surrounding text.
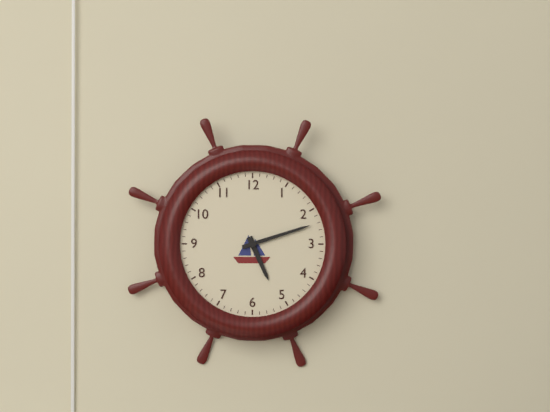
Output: h=5 m=12
